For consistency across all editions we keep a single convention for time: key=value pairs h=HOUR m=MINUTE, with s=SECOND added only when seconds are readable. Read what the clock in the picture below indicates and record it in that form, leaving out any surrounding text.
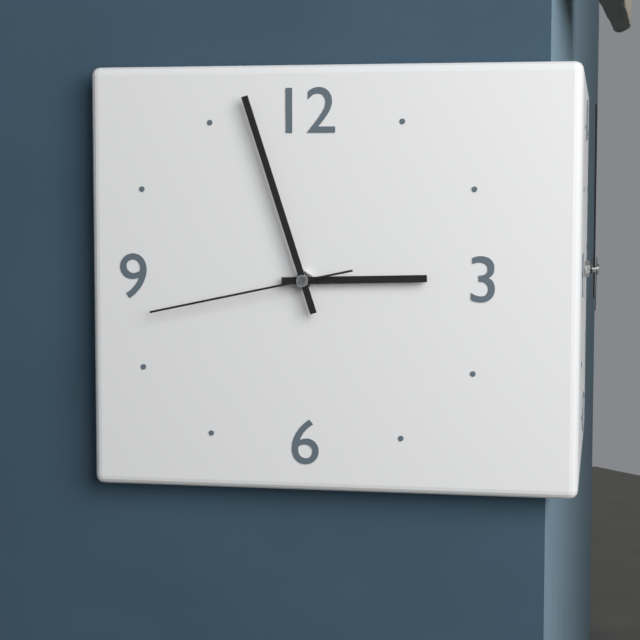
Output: h=2 m=57 s=43
